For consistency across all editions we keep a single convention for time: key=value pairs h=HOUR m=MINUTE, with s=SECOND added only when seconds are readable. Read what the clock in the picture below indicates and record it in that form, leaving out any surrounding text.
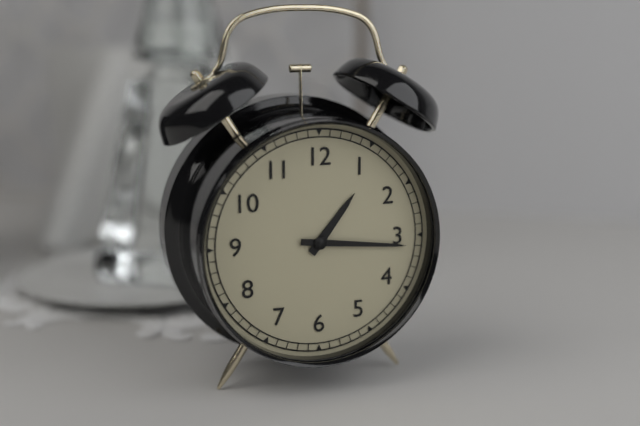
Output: h=1 m=16
